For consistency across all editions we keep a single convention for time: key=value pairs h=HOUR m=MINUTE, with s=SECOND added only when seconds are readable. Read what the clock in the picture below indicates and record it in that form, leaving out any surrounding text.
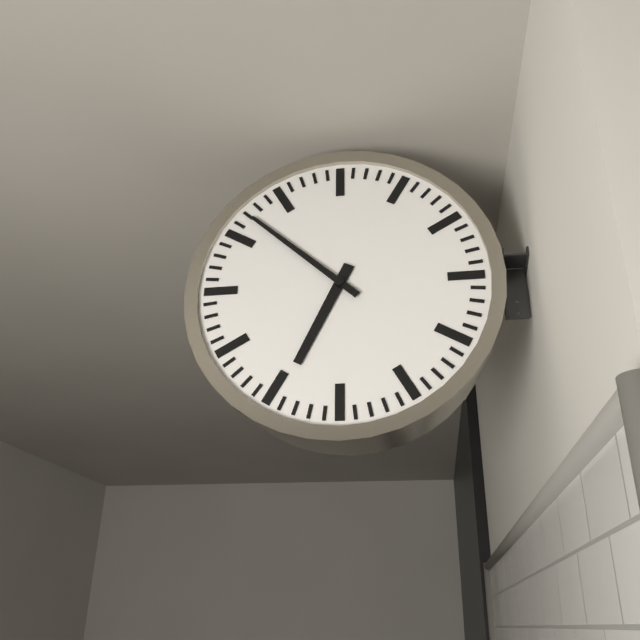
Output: h=6 m=52
